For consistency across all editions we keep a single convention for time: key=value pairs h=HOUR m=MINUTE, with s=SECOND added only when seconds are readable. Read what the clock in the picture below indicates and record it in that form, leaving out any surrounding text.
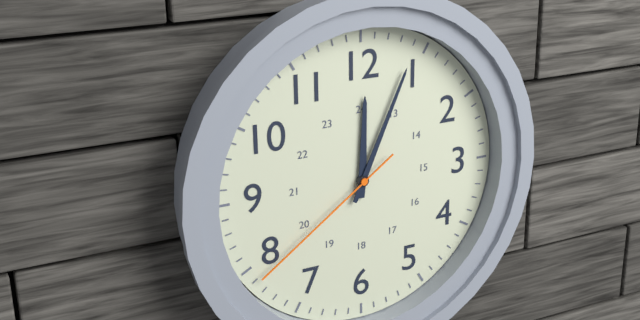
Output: h=12 m=4 s=39
